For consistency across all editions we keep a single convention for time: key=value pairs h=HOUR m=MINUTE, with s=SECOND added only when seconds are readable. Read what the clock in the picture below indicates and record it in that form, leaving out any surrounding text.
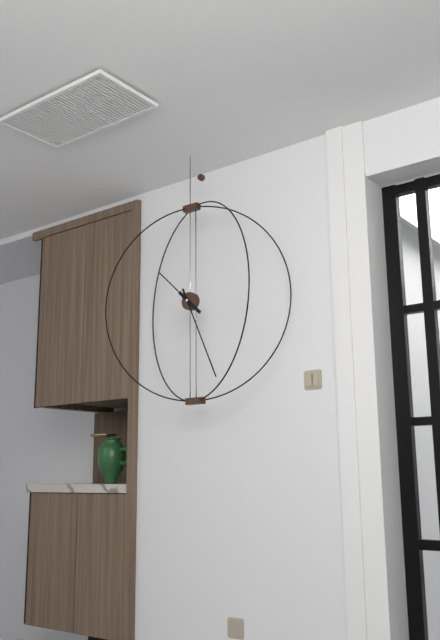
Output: h=10 m=26
